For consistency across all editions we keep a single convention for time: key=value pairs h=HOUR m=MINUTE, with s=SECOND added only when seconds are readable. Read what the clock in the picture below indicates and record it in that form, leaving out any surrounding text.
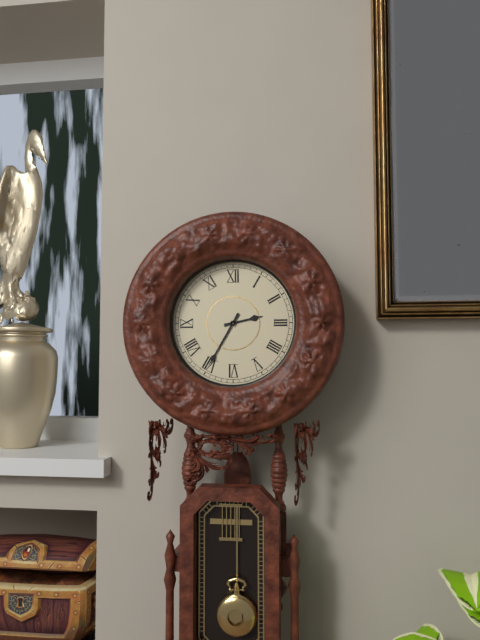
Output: h=2 m=35
